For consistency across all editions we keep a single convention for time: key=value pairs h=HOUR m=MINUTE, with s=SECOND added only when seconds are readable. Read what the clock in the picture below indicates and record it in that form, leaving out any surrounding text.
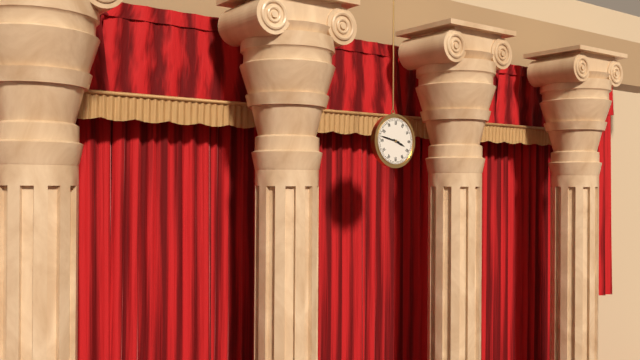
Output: h=3 m=47
